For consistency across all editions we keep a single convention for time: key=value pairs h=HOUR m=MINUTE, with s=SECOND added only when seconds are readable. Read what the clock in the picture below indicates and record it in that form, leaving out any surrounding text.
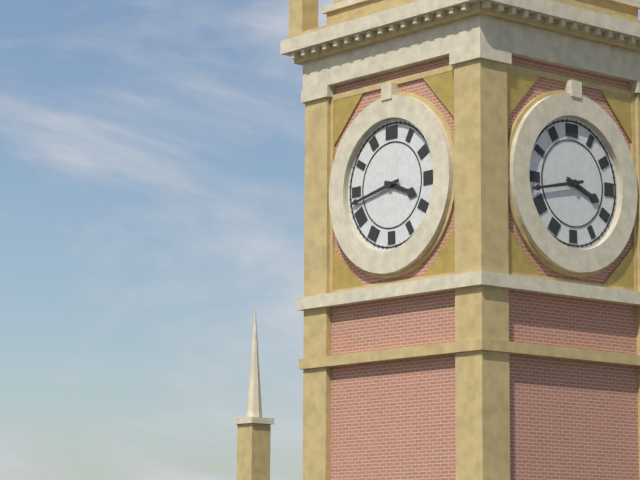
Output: h=3 m=43
